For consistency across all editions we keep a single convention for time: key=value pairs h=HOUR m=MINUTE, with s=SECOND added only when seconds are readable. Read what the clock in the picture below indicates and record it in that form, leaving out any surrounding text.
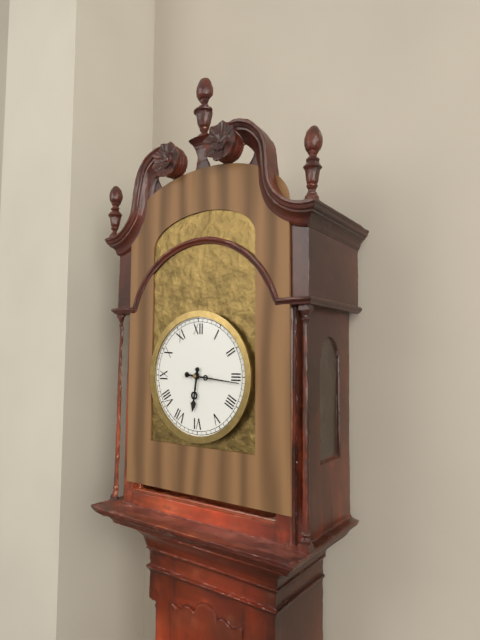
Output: h=6 m=16
